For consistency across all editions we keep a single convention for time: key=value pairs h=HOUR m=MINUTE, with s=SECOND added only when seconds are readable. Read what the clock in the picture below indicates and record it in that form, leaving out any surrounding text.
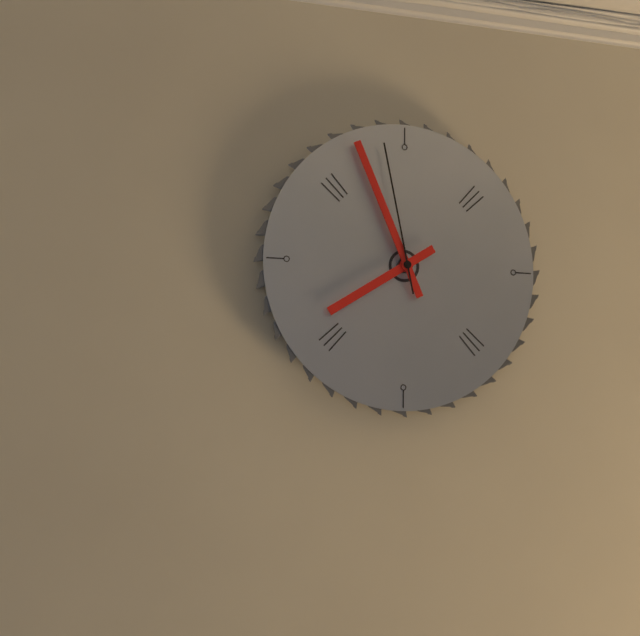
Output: h=7 m=56 s=58
